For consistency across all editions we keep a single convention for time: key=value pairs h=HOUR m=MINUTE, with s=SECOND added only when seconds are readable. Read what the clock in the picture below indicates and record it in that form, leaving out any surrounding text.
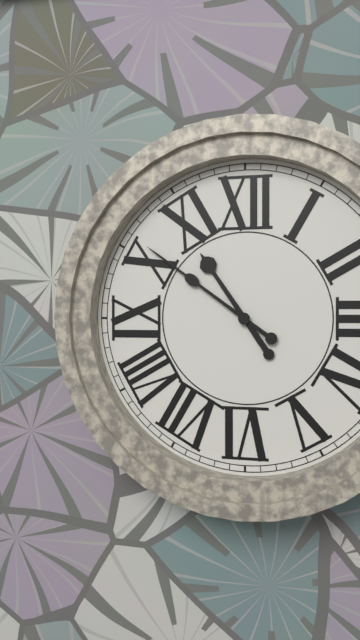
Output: h=10 m=51
